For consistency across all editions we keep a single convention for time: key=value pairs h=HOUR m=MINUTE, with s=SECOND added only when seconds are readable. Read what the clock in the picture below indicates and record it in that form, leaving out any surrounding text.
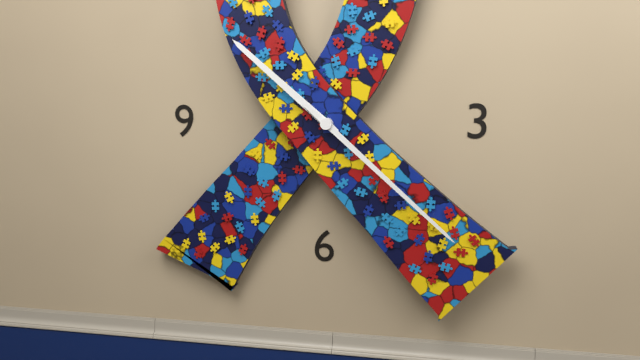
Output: h=10 m=22
